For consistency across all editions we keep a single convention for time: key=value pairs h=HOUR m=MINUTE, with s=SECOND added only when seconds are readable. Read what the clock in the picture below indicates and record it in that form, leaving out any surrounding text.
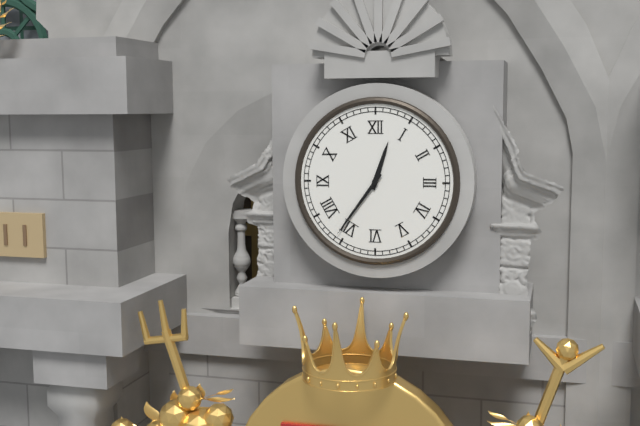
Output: h=12 m=36
